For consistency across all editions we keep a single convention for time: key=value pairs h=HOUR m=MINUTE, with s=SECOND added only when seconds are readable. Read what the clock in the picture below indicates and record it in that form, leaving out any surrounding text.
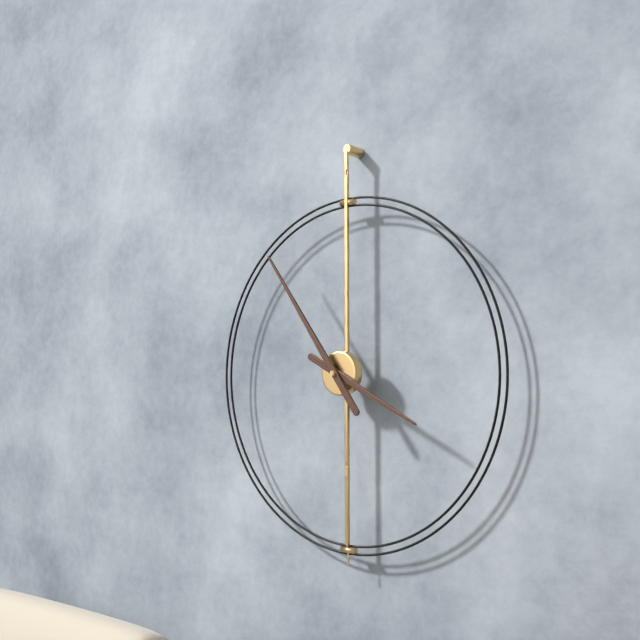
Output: h=3 m=54
